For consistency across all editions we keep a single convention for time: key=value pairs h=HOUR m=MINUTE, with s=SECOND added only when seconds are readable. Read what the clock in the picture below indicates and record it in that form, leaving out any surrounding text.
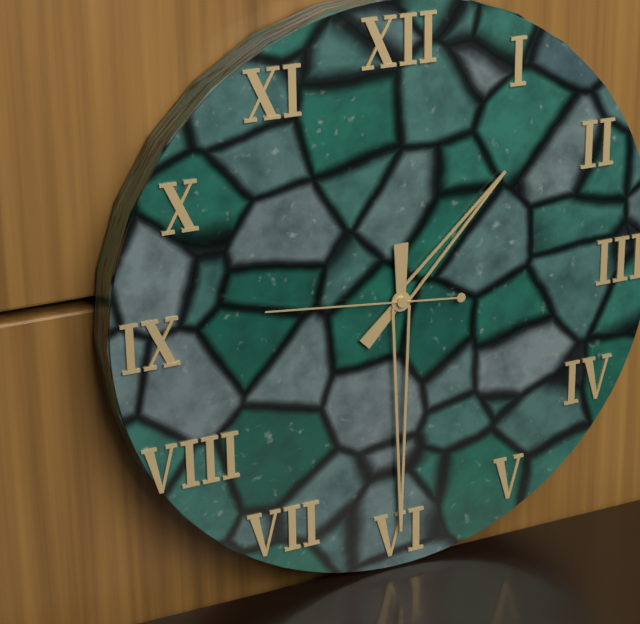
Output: h=1 m=30 s=46
